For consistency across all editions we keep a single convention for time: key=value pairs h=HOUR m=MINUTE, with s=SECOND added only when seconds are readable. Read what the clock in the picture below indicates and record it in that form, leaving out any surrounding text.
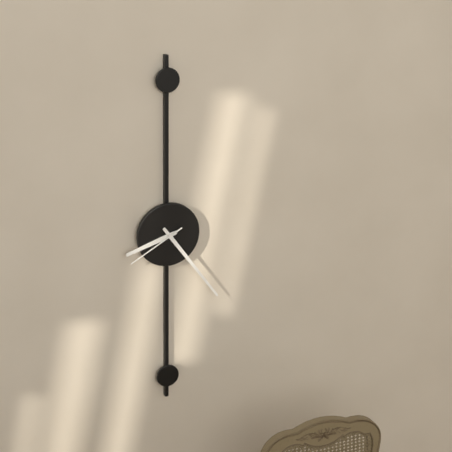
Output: h=8 m=24 s=40
